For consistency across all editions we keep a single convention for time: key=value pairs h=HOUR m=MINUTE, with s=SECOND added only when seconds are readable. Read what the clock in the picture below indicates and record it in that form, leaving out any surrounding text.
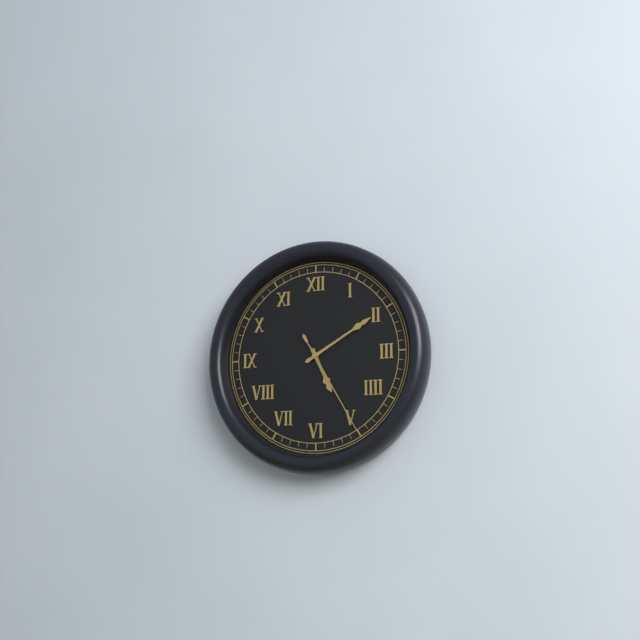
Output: h=5 m=10 s=25
